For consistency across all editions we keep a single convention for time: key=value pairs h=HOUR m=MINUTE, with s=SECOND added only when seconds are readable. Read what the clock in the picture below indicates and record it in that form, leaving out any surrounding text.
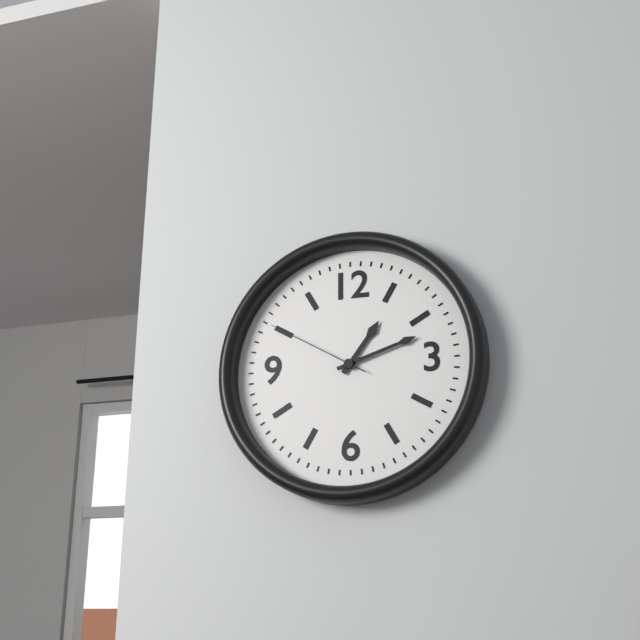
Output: h=1 m=12 s=50
